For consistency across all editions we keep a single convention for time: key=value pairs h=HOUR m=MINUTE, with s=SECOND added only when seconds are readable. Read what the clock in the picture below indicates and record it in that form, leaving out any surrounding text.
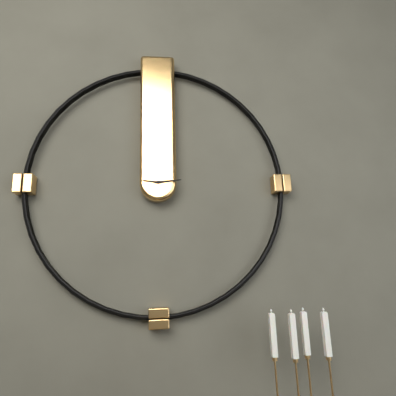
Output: h=9 m=14
